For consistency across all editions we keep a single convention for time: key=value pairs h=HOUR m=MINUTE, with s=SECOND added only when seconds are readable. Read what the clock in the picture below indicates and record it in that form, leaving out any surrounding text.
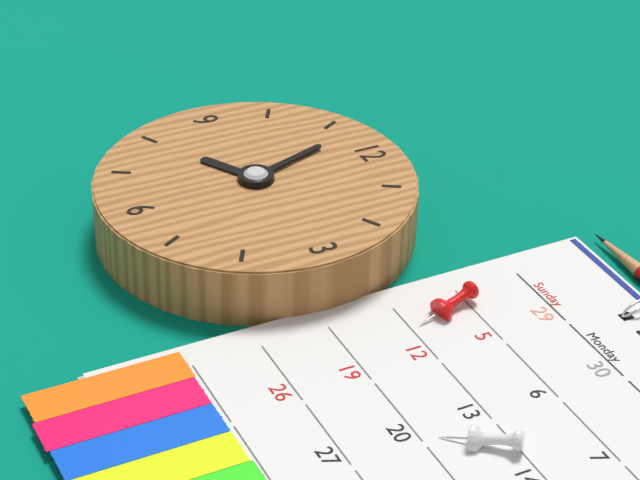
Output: h=7 m=57
